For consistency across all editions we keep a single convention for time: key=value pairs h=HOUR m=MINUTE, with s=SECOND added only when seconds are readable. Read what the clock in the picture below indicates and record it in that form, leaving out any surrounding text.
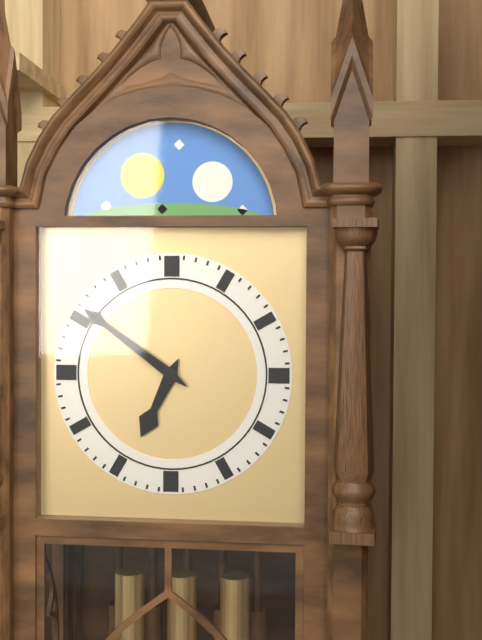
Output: h=6 m=51
